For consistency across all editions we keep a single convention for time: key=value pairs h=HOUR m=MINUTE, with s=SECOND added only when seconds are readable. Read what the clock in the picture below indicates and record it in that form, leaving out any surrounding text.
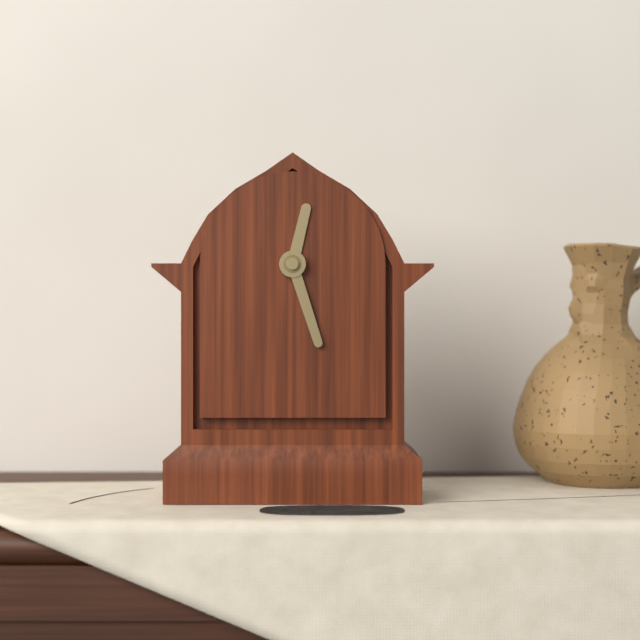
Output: h=12 m=27
